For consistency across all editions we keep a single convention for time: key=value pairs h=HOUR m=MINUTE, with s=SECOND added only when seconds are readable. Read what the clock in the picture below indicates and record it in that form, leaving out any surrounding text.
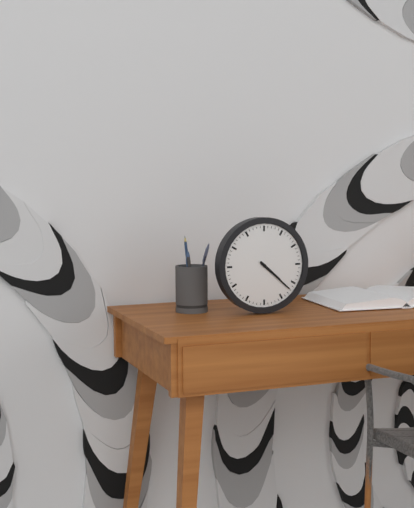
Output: h=4 m=22
